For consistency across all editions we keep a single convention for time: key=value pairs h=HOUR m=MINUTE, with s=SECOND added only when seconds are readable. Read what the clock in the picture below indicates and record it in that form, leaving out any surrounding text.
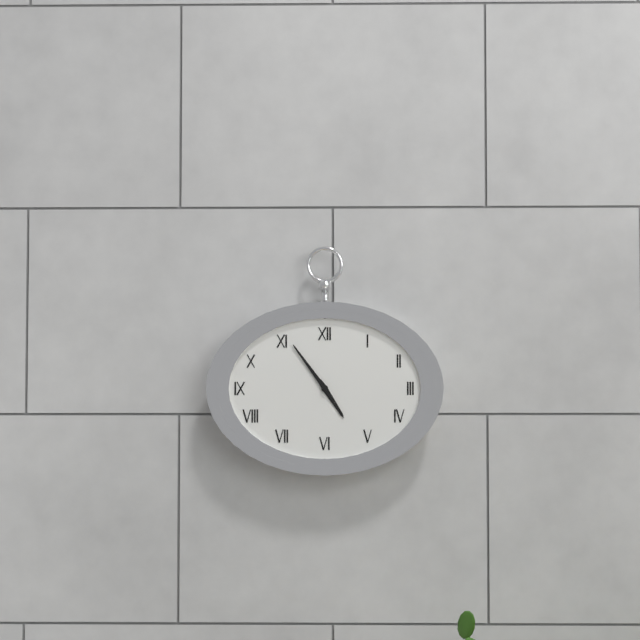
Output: h=4 m=54
